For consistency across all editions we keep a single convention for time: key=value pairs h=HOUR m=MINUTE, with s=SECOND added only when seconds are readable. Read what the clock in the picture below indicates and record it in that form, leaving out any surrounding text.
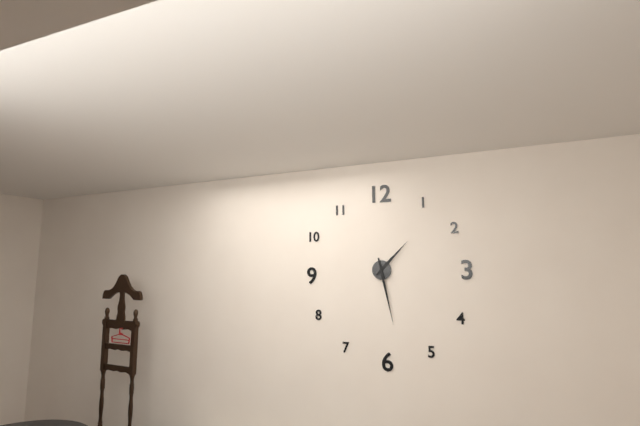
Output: h=1 m=28
